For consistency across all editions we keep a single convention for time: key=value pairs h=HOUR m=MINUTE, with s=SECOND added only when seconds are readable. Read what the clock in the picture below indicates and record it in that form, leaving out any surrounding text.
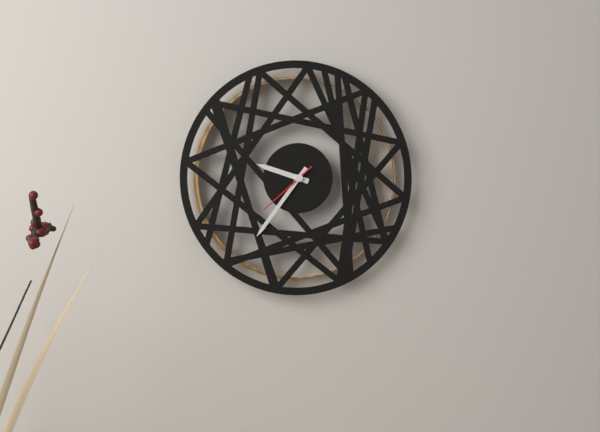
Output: h=9 m=36 s=38
